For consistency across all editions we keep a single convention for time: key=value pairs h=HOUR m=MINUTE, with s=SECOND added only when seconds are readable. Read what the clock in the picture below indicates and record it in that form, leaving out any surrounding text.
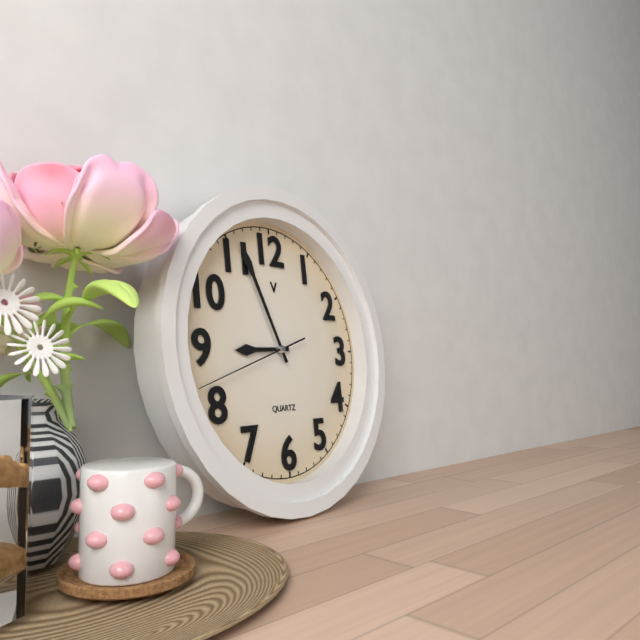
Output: h=8 m=56 s=42
